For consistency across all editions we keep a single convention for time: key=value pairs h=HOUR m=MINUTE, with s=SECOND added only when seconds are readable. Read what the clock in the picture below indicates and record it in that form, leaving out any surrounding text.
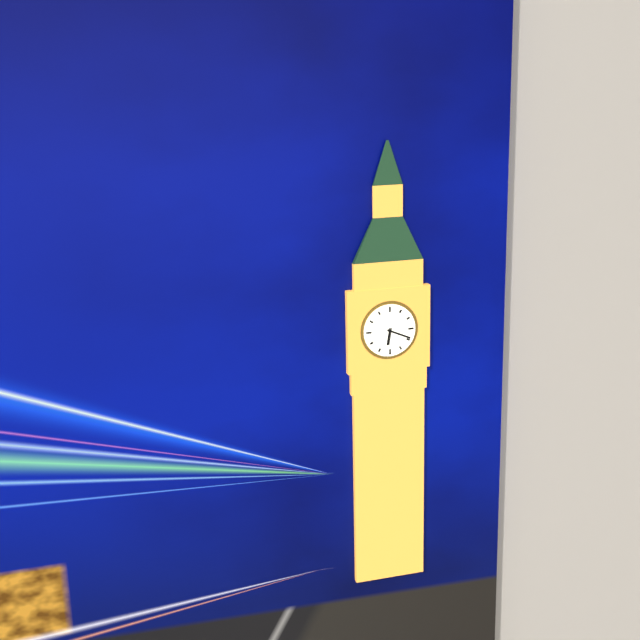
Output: h=6 m=19
